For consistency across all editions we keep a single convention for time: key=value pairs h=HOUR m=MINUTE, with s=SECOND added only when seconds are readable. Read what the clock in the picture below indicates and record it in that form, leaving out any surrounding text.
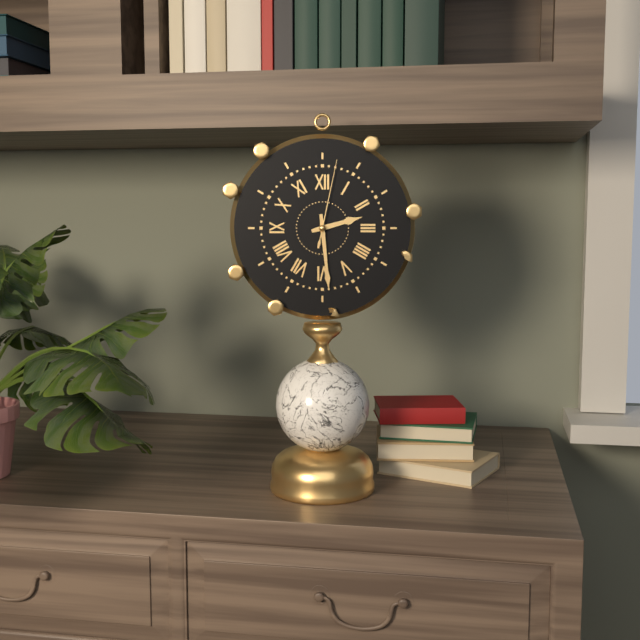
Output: h=2 m=29 s=2
